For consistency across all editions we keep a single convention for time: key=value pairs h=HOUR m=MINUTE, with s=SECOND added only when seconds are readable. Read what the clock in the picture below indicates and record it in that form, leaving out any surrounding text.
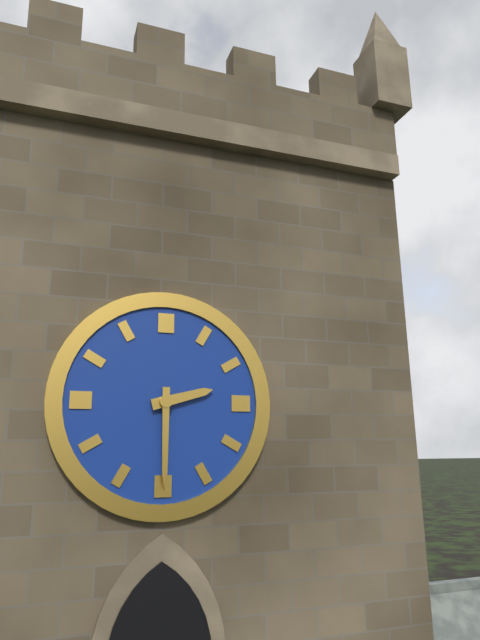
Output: h=2 m=30
